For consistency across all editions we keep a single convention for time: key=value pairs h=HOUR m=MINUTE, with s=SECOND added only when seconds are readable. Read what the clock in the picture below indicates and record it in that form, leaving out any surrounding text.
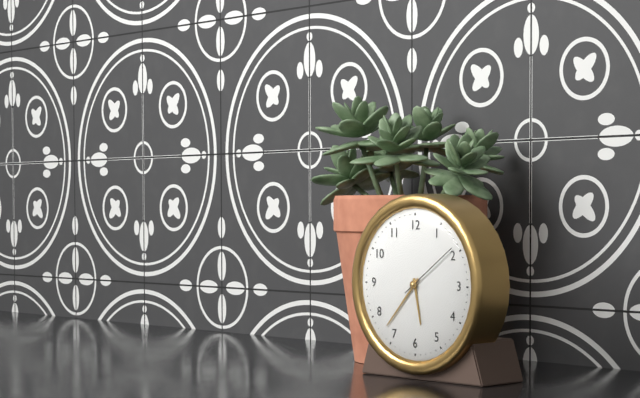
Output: h=5 m=37 s=9
